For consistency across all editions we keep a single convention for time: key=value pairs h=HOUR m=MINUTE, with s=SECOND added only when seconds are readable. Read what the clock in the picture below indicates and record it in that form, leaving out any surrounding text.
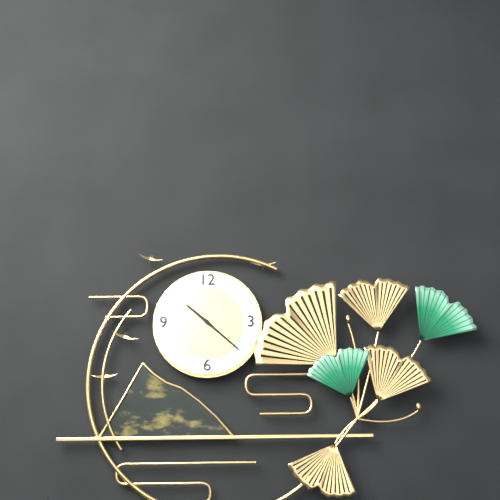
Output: h=10 m=22
